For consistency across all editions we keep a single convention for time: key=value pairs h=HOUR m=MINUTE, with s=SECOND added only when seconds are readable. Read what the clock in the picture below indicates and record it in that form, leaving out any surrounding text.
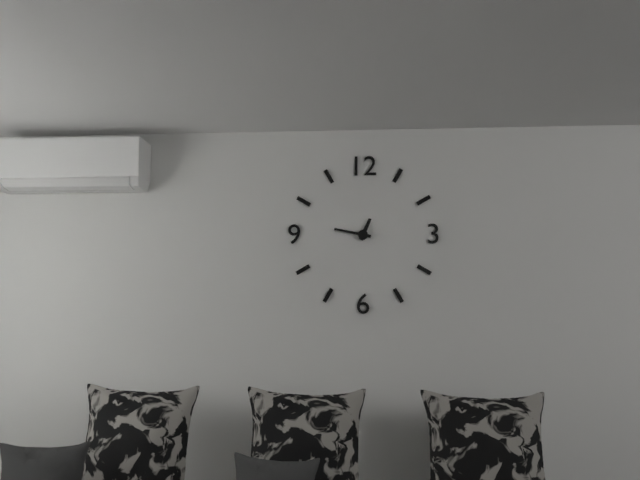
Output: h=12 m=47
